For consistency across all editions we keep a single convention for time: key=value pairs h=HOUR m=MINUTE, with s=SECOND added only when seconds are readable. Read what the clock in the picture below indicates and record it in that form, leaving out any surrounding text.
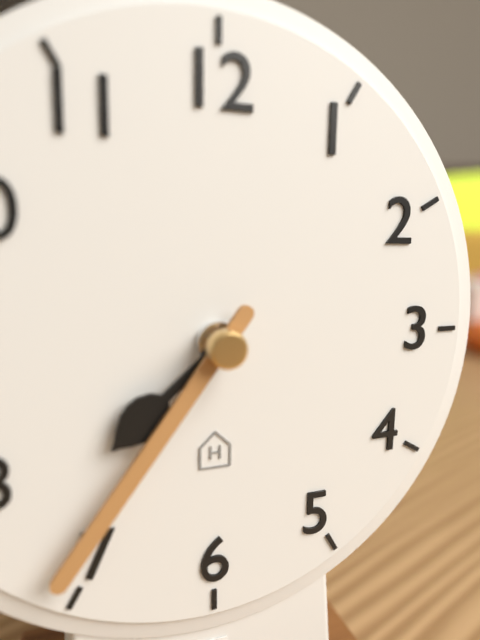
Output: h=7 m=36
